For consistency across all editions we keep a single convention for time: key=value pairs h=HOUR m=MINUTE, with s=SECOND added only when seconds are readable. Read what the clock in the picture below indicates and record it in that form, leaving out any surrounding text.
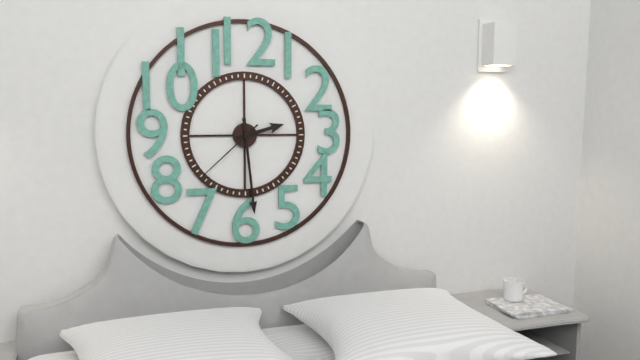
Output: h=2 m=29 s=38
